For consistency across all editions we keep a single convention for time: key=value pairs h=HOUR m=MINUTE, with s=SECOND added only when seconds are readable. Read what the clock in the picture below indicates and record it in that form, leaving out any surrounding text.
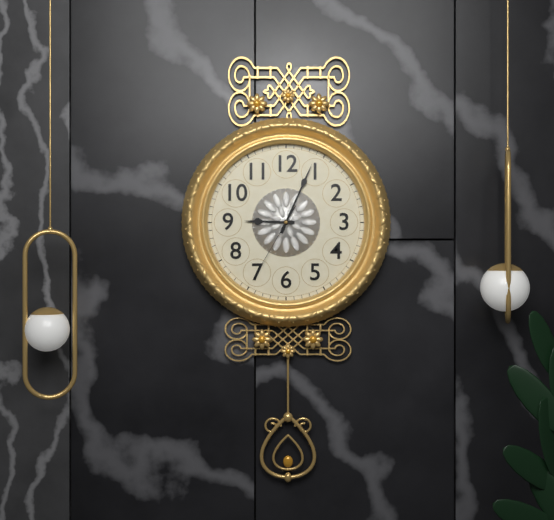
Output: h=9 m=4 s=35
